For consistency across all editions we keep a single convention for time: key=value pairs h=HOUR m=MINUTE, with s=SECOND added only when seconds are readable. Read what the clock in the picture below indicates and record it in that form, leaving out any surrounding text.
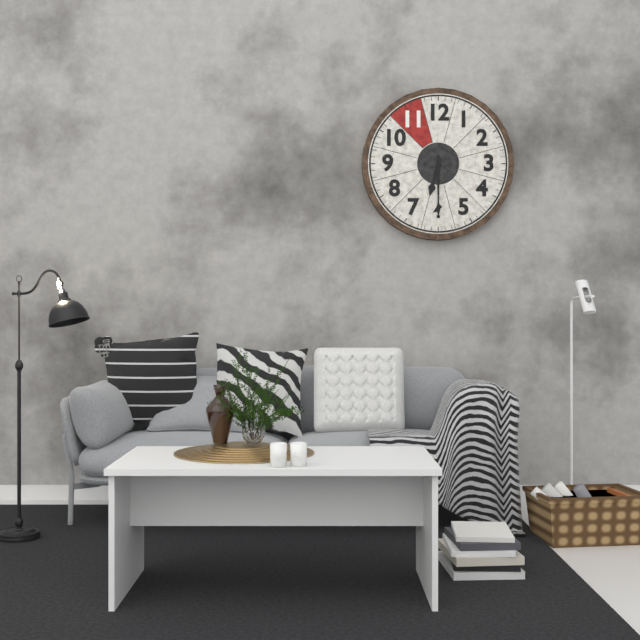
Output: h=6 m=30
